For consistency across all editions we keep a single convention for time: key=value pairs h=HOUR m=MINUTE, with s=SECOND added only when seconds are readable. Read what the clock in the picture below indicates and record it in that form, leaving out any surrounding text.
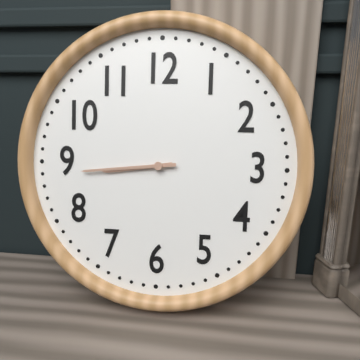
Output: h=8 m=44
